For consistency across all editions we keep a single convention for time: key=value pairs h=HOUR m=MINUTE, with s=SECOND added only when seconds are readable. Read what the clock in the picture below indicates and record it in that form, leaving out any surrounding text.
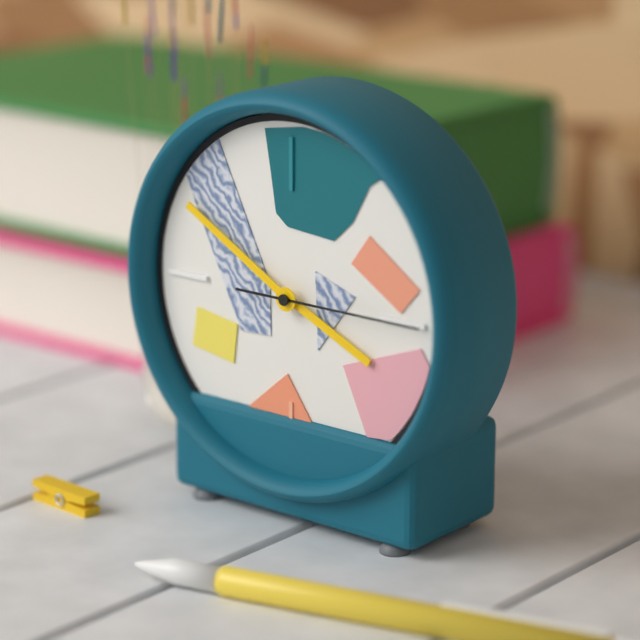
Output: h=3 m=50 s=15
